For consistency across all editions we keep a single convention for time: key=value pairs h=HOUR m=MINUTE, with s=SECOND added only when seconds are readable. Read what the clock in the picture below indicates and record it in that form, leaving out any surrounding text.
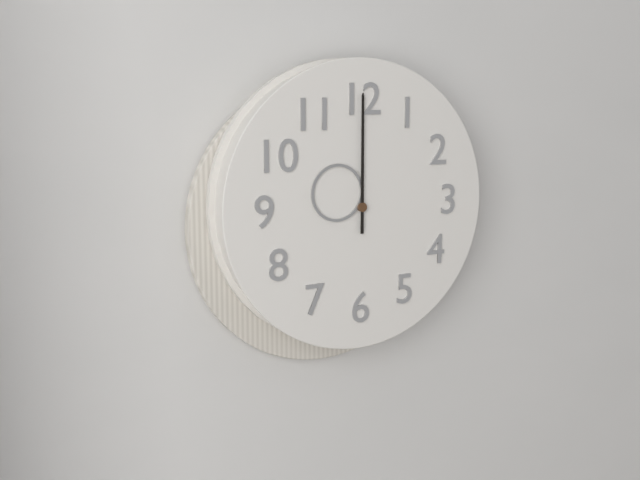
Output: h=10 m=0
